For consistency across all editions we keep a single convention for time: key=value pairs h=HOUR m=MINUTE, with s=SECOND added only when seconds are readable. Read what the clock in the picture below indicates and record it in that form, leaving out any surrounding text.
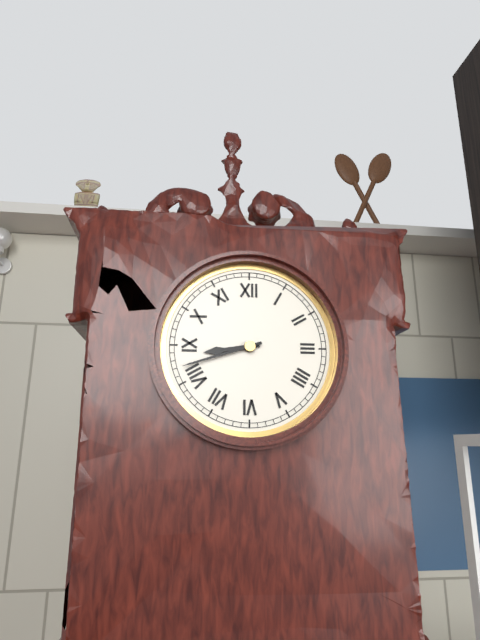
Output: h=8 m=42
